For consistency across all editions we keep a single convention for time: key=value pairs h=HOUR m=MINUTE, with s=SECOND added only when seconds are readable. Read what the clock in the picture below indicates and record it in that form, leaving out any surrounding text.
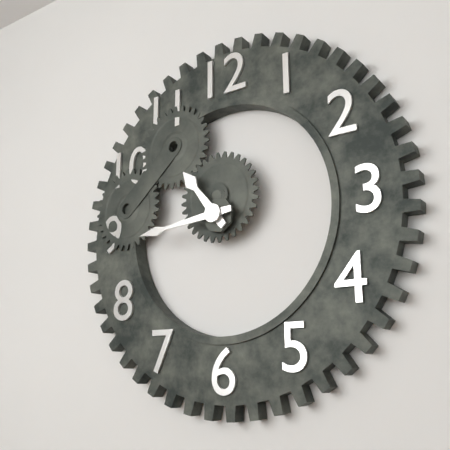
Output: h=10 m=44
